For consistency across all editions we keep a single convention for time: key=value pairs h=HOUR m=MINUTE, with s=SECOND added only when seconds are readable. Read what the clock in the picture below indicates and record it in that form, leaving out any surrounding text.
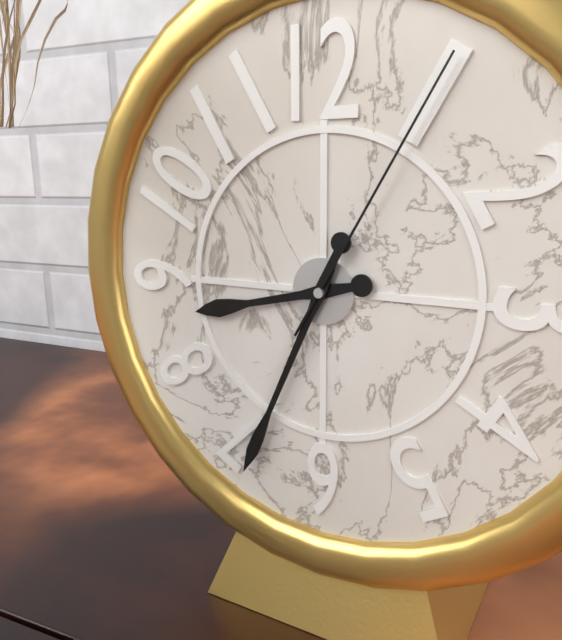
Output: h=8 m=34 s=5
